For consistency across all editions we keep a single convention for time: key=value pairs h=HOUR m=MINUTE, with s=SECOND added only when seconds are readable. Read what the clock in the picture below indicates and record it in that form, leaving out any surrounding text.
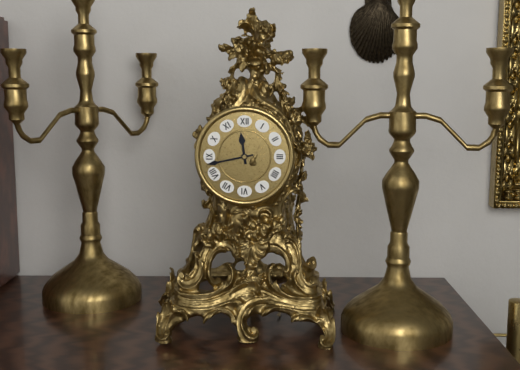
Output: h=11 m=43
